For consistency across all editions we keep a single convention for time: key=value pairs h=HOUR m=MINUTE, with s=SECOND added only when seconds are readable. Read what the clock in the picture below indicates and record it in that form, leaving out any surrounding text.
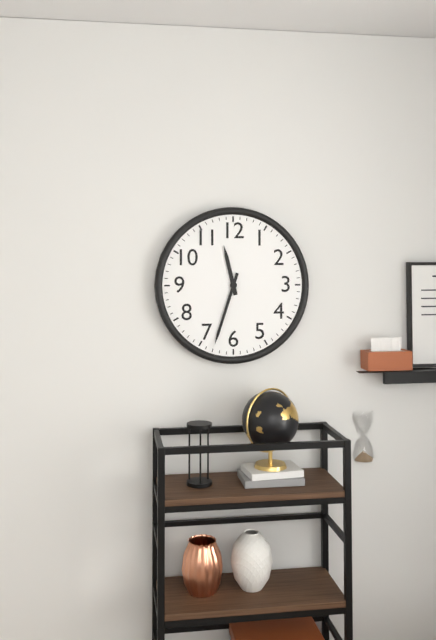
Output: h=11 m=33
